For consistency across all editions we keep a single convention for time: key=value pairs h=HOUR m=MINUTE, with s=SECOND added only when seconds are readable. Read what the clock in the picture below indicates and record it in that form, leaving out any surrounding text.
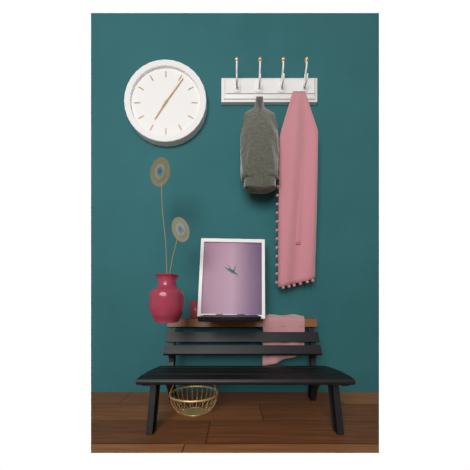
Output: h=7 m=6
